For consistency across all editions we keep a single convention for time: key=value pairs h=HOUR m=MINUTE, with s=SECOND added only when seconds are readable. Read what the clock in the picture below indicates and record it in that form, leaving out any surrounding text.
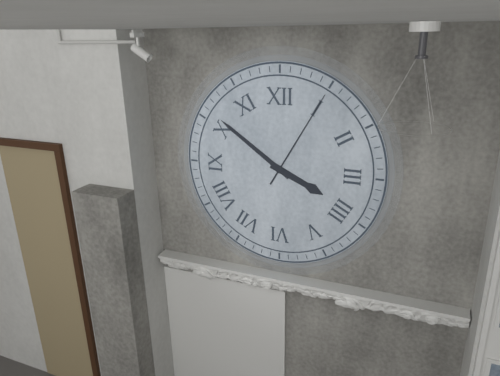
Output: h=3 m=51 s=5
